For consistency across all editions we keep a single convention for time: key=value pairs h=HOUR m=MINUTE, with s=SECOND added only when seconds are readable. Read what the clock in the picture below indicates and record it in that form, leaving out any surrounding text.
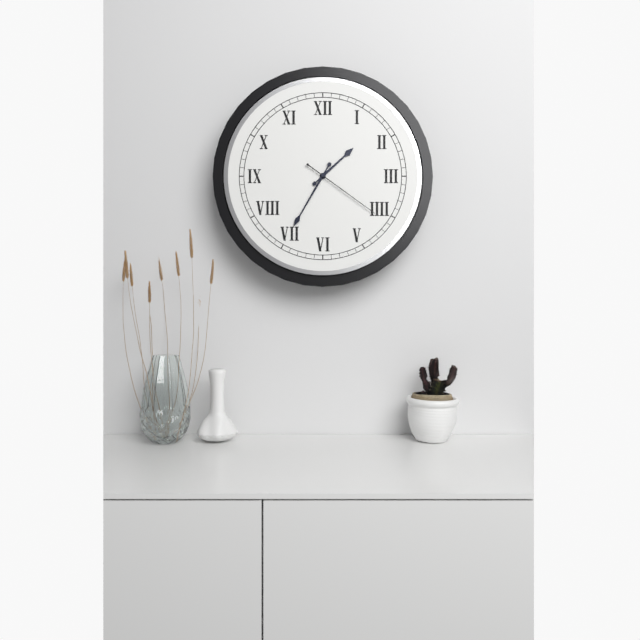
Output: h=1 m=35 s=21
